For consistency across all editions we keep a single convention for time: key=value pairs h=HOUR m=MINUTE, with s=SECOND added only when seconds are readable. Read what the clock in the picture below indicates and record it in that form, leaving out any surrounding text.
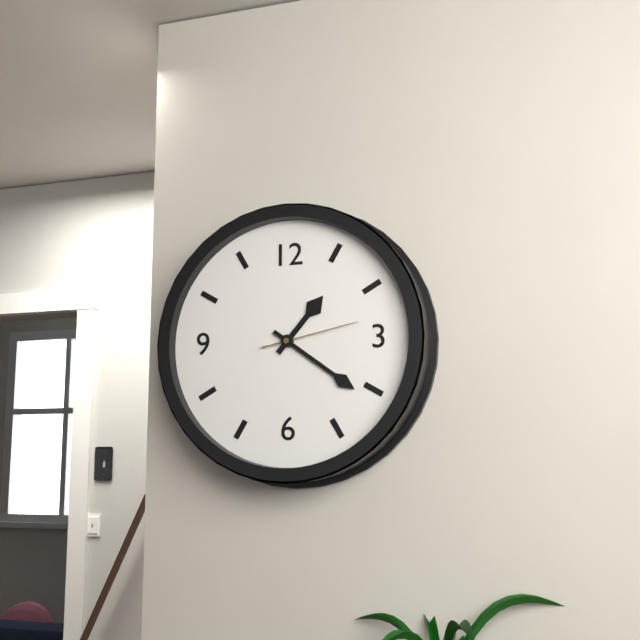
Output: h=1 m=21 s=13
